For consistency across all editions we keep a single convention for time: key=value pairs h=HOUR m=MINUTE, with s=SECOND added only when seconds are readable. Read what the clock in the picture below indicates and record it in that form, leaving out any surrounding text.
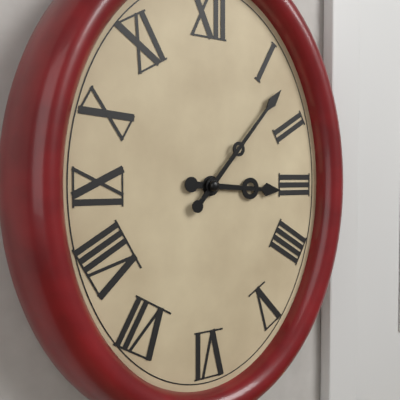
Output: h=3 m=7
